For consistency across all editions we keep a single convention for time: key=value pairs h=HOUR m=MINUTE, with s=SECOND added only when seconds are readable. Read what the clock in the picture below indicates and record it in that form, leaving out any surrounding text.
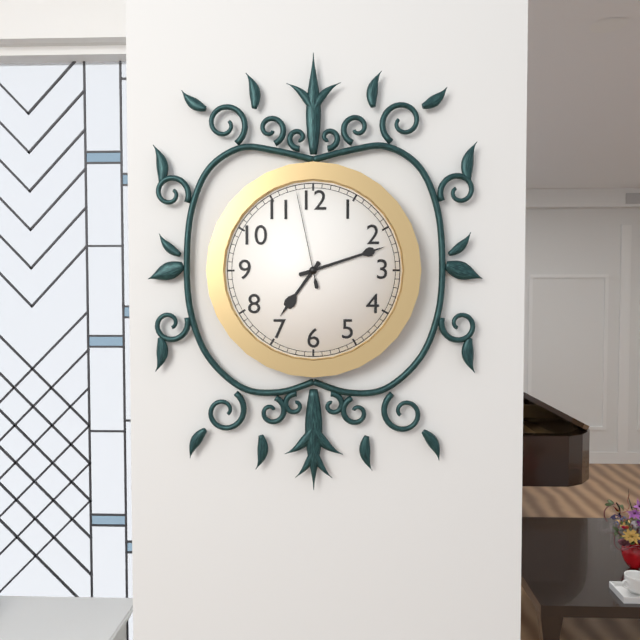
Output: h=7 m=12 s=58
